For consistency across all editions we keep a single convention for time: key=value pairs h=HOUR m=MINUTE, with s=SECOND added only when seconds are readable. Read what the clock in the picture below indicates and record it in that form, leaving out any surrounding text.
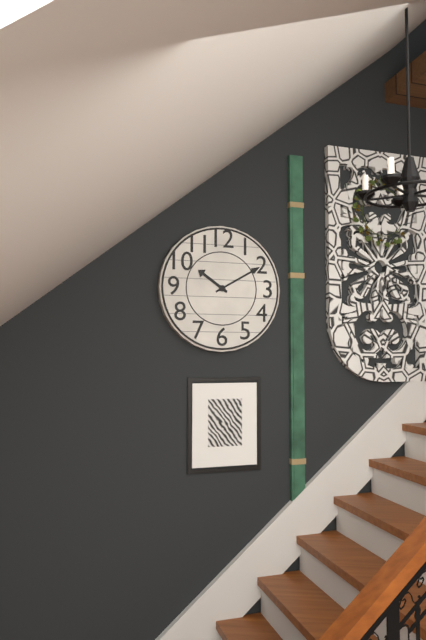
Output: h=10 m=10
